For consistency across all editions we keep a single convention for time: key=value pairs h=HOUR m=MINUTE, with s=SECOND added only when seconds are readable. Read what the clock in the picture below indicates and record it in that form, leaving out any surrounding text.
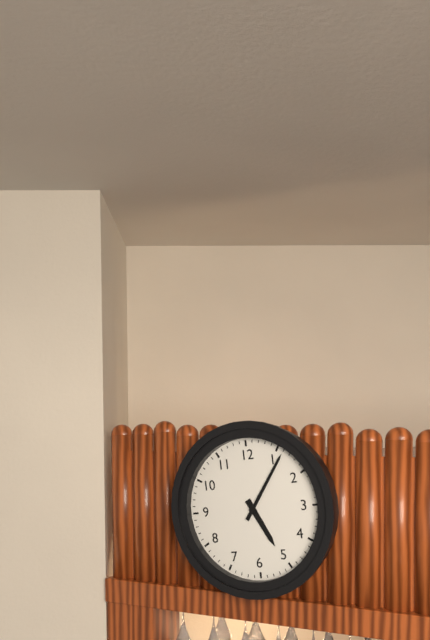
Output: h=5 m=6
